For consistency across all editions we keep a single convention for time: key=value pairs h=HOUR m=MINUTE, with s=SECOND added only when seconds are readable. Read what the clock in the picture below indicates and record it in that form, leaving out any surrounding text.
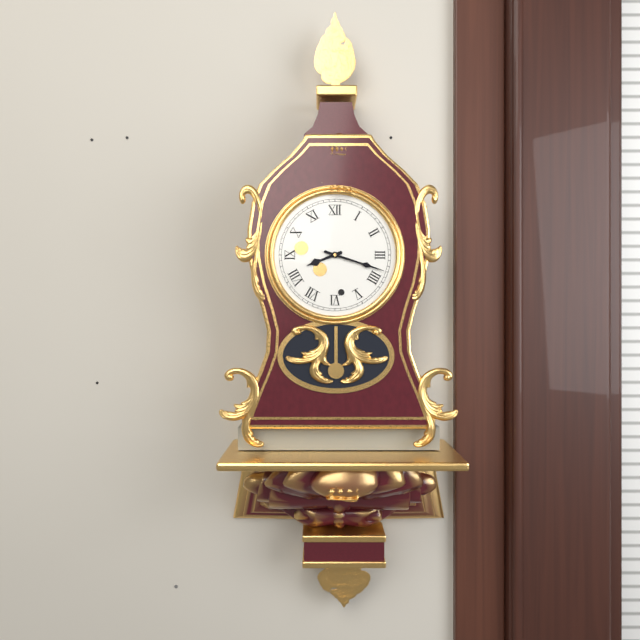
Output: h=8 m=18
